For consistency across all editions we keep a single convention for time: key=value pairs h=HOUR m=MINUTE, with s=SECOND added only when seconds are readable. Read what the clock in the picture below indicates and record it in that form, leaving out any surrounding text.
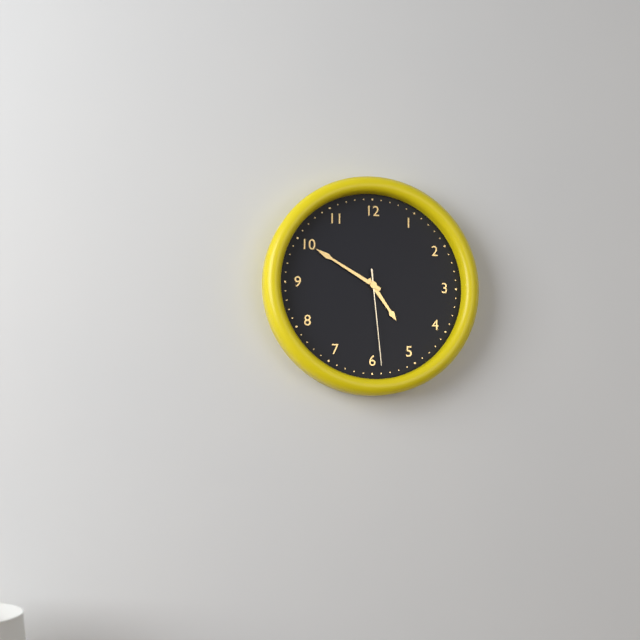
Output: h=4 m=50 s=29
